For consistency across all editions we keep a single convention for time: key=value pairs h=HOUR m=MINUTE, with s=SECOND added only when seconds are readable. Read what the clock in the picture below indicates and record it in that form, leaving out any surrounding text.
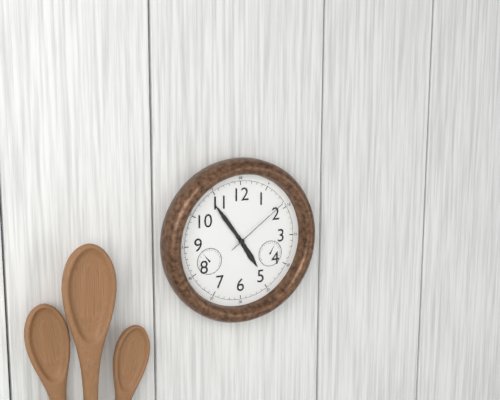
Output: h=4 m=54 s=9
